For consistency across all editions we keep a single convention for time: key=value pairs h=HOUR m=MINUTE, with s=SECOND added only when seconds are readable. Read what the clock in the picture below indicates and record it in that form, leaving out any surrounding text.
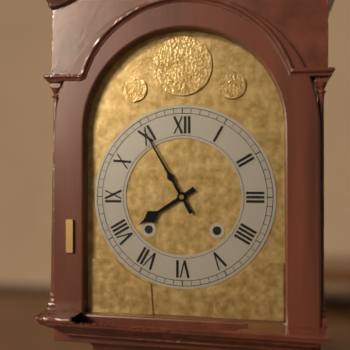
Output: h=7 m=55
